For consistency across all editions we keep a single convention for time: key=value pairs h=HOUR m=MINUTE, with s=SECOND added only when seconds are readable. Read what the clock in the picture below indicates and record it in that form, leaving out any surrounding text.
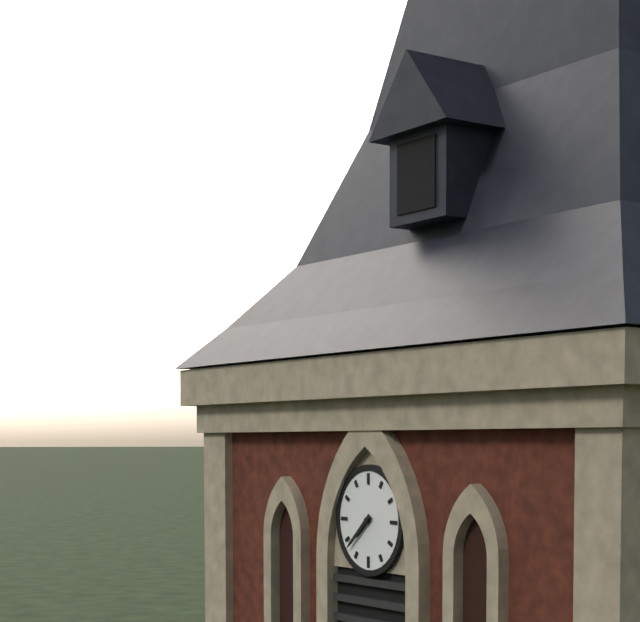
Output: h=7 m=38
